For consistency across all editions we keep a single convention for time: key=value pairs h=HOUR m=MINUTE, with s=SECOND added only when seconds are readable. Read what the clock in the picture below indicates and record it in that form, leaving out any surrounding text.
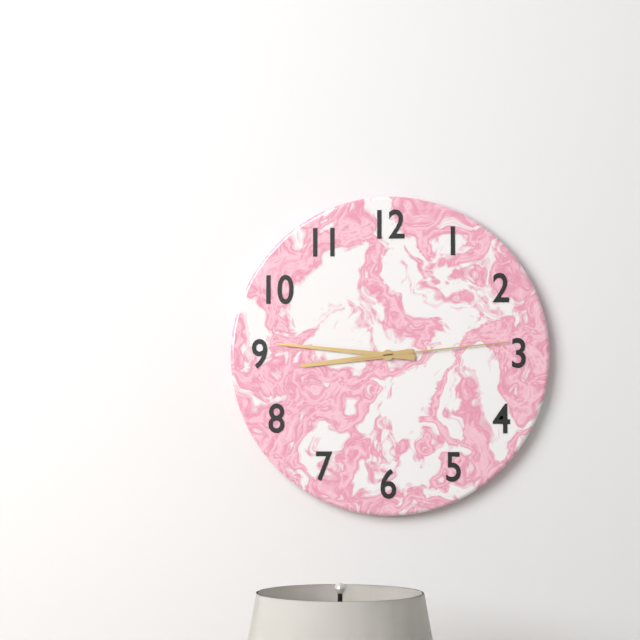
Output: h=8 m=46 s=14
